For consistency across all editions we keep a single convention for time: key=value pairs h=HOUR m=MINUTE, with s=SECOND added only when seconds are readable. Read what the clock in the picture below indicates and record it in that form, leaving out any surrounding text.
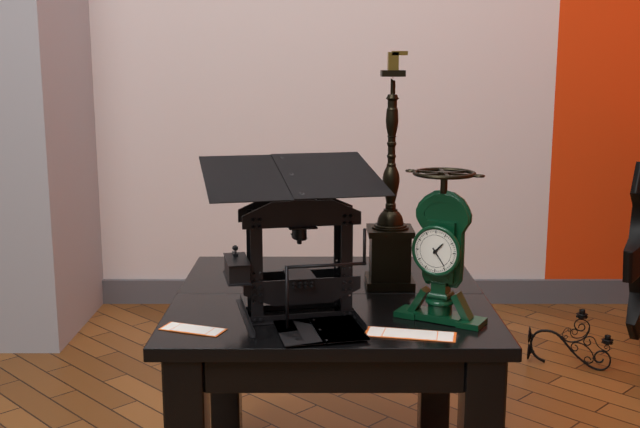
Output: h=1 m=24
